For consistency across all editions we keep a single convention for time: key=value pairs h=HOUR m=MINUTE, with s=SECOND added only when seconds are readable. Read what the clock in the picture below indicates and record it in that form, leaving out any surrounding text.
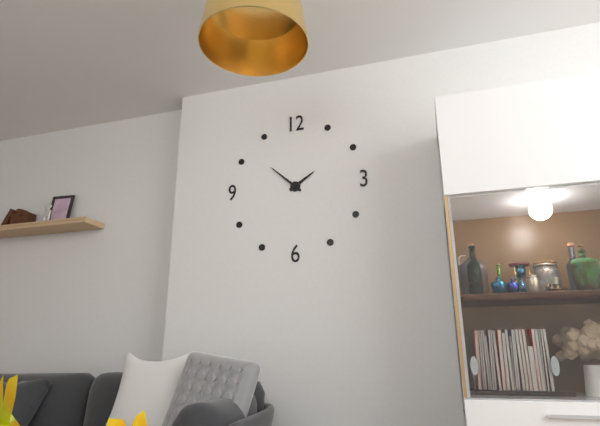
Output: h=1 m=52
